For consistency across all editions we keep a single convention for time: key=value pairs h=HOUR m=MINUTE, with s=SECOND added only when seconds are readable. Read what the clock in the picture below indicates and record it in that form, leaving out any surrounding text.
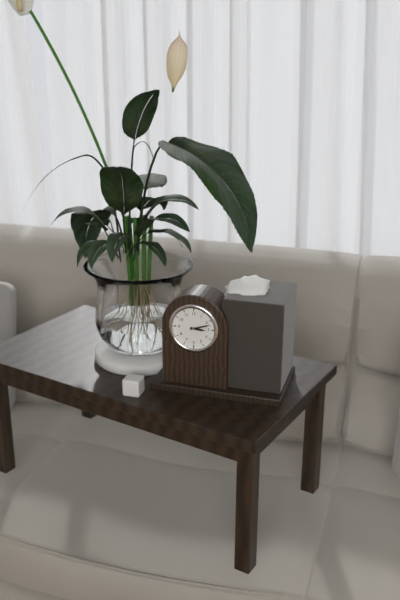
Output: h=3 m=12
